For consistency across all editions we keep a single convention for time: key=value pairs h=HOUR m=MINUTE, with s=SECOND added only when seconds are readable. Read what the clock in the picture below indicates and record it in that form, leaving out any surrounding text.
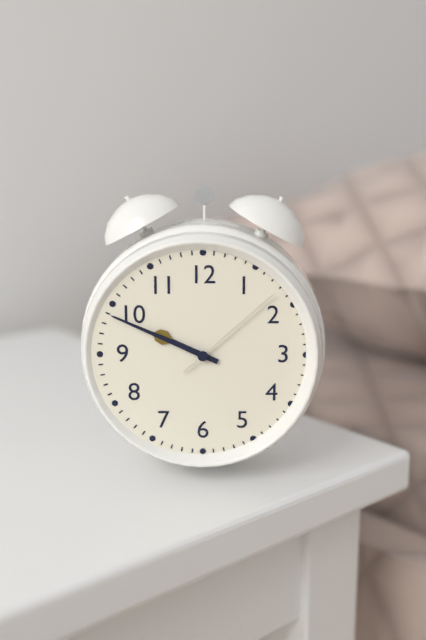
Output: h=9 m=49 s=8
